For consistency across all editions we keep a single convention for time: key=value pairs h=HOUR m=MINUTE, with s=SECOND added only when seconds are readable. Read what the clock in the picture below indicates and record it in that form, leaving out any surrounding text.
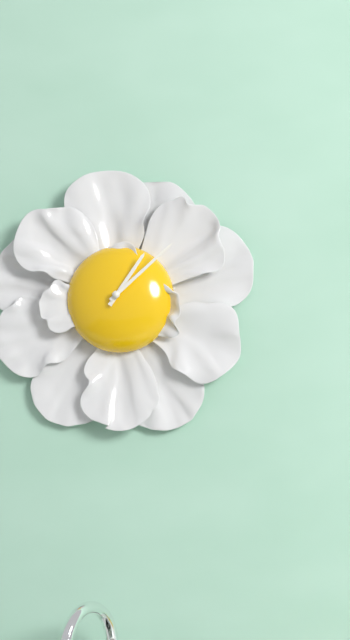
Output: h=1 m=8
